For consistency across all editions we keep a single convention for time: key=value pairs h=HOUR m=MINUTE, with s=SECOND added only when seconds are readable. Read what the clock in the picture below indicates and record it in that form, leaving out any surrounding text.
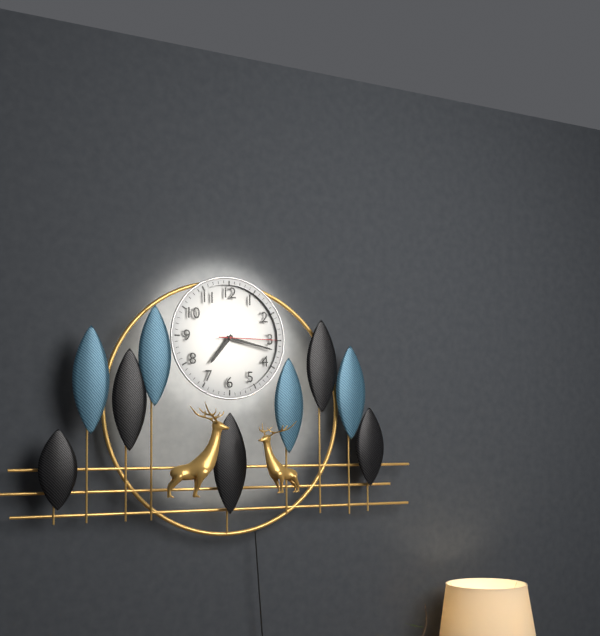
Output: h=7 m=17 s=15
